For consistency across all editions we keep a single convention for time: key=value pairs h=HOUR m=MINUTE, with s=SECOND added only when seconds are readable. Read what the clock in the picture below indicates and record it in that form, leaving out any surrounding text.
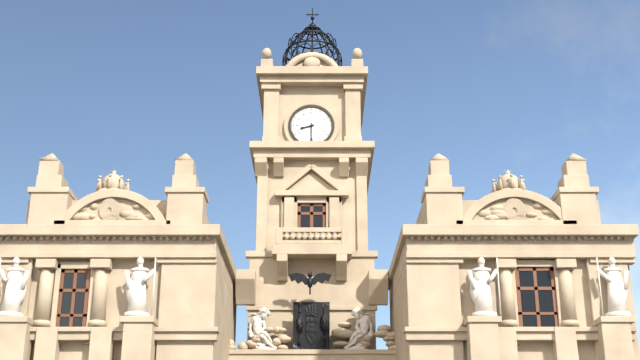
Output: h=8 m=30
